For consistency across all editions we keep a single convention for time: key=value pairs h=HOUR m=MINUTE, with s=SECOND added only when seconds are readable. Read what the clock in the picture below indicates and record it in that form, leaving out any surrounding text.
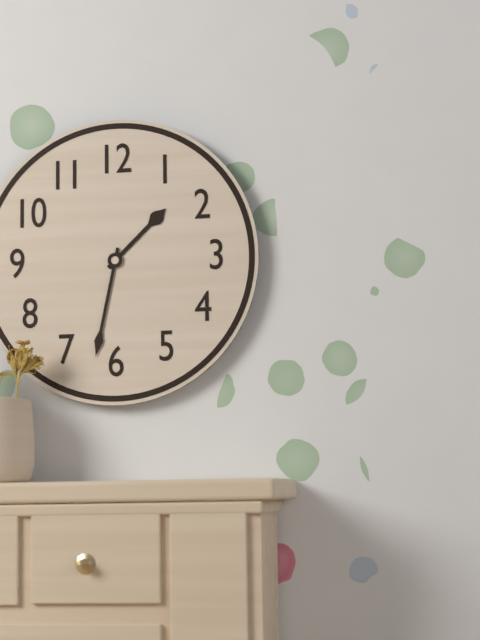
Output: h=1 m=32
